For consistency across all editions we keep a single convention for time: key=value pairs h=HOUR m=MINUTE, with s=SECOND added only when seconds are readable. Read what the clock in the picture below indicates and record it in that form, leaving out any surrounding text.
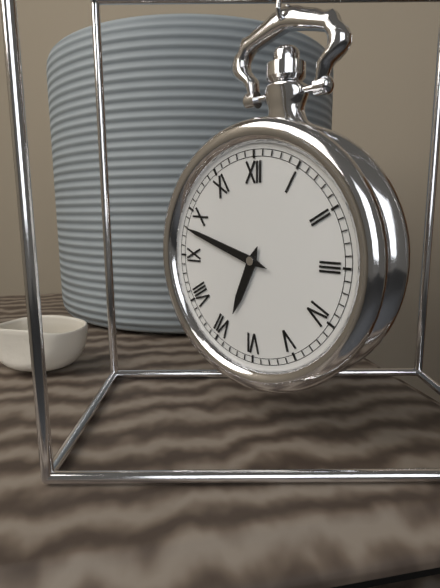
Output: h=6 m=48
